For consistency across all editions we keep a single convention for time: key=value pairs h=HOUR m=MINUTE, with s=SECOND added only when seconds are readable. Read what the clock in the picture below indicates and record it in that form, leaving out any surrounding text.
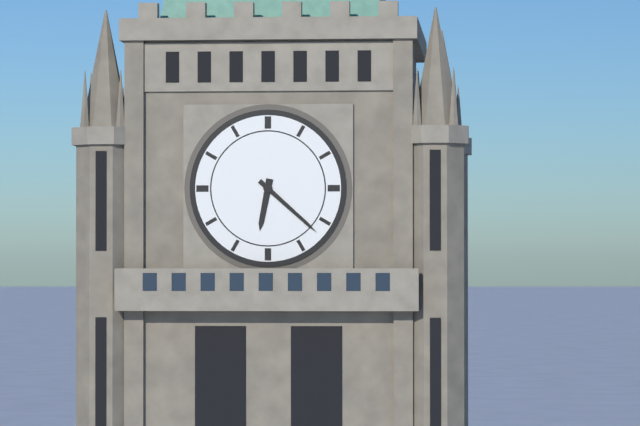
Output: h=6 m=22
